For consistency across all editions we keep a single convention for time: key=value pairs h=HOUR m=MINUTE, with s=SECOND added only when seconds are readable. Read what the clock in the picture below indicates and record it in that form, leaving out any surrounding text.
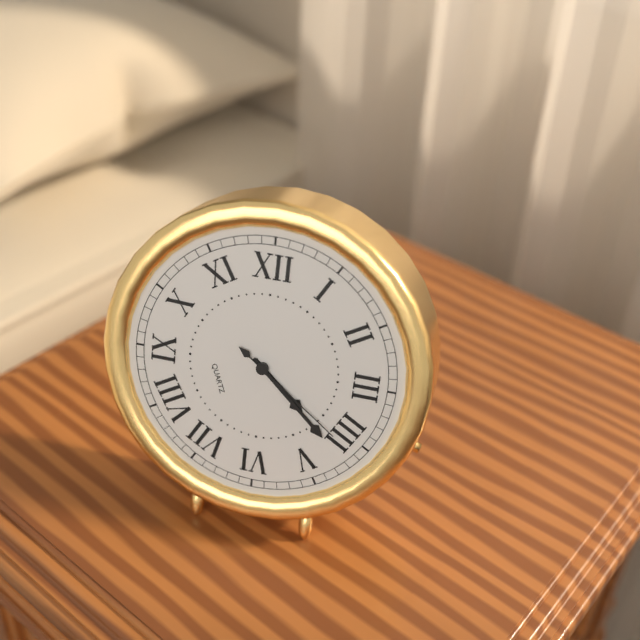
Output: h=4 m=22 s=21
